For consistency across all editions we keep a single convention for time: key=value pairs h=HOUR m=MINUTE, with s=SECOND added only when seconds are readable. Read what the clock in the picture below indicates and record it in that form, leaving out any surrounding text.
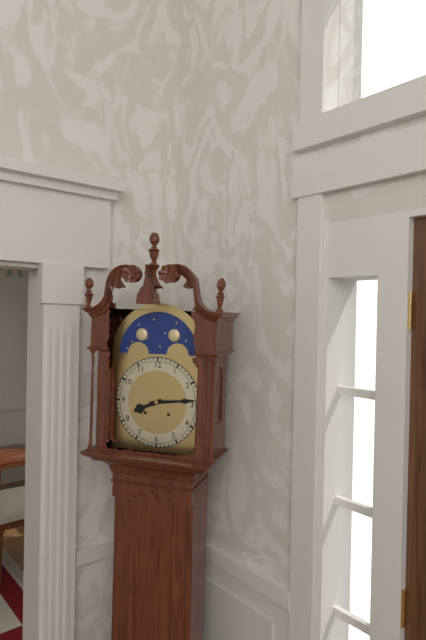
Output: h=8 m=14
